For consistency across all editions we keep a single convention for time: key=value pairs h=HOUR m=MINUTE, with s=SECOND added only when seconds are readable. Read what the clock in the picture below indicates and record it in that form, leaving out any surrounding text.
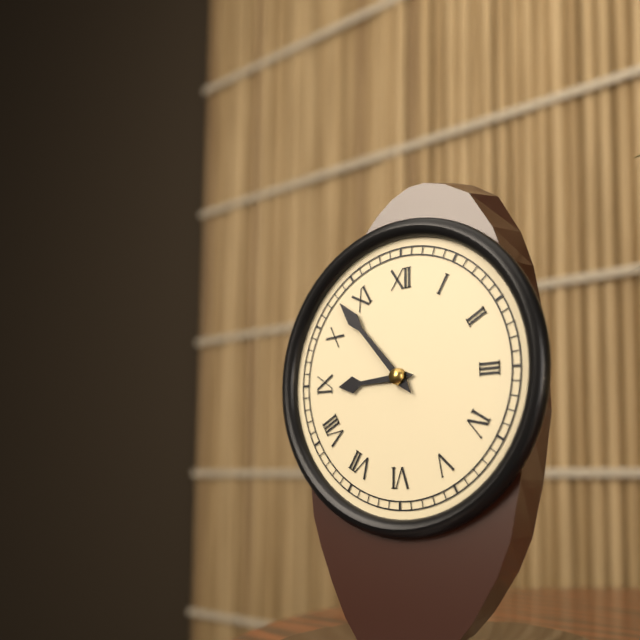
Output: h=8 m=53
